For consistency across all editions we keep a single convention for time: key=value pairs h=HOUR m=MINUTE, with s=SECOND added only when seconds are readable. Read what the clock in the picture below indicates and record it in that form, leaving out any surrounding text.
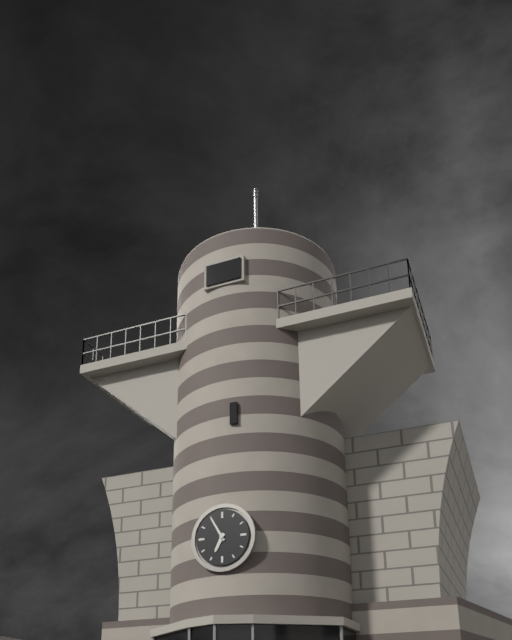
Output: h=6 m=55
